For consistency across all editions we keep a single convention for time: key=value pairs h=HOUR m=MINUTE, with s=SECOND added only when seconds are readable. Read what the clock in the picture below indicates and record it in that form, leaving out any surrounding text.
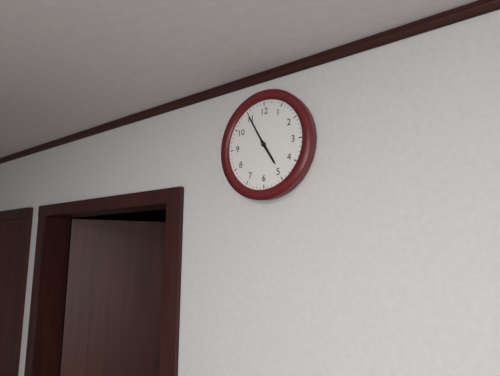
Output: h=4 m=55
